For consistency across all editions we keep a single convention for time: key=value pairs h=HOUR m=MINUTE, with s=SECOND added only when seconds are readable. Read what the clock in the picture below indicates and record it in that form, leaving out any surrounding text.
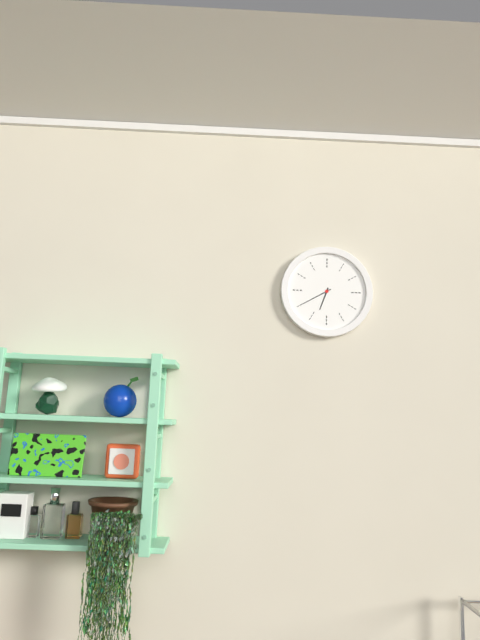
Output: h=6 m=40
